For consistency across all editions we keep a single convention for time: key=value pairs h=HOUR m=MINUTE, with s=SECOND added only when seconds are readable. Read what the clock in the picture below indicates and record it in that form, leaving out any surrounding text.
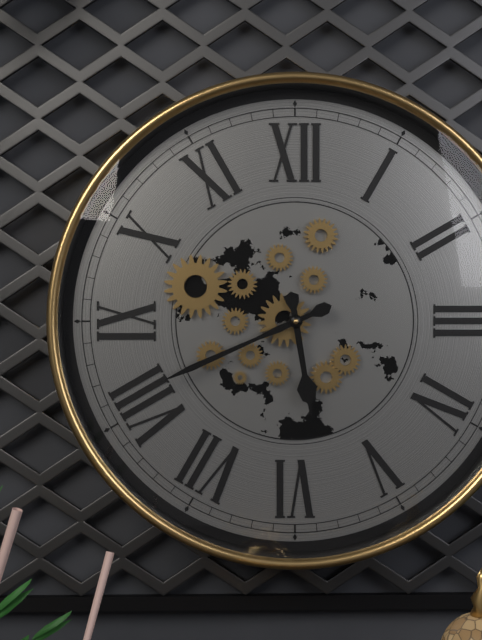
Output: h=5 m=41
